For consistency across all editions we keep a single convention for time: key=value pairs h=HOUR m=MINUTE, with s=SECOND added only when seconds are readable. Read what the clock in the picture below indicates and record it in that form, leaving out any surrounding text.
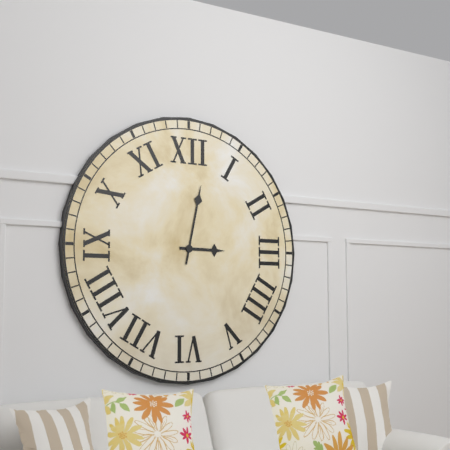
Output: h=3 m=2
